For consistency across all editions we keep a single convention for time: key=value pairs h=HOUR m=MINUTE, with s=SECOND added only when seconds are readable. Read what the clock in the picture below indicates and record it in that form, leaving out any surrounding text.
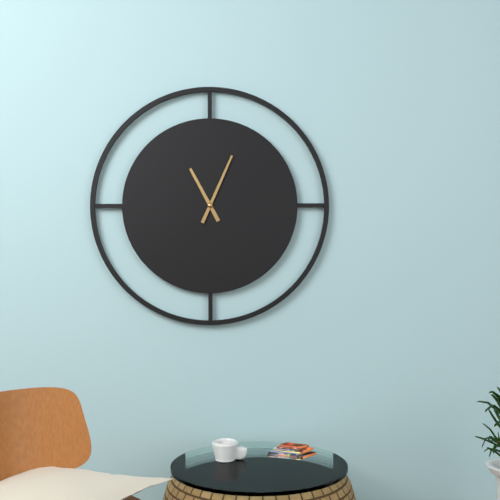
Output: h=11 m=4
